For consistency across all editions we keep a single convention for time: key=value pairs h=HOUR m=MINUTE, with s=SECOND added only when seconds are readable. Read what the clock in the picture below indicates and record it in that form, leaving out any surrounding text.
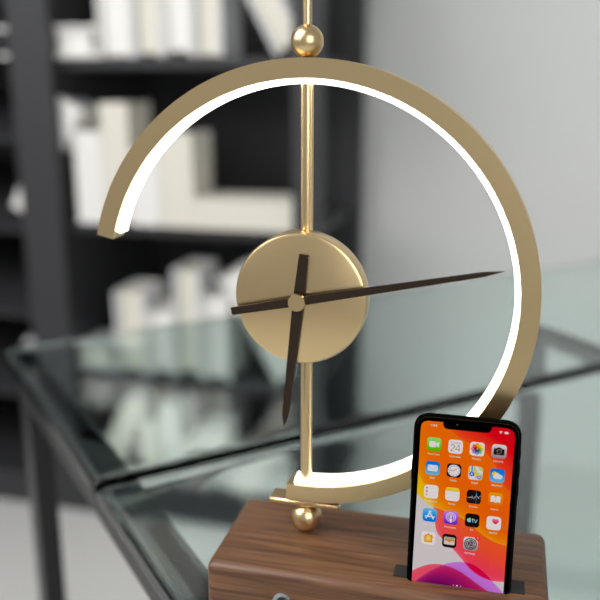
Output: h=6 m=13
